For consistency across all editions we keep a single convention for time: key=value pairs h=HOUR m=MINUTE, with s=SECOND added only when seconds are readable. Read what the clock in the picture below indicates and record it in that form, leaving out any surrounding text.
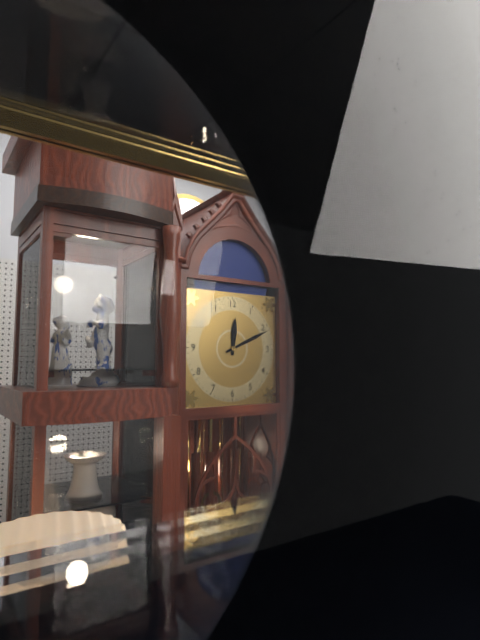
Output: h=12 m=11
